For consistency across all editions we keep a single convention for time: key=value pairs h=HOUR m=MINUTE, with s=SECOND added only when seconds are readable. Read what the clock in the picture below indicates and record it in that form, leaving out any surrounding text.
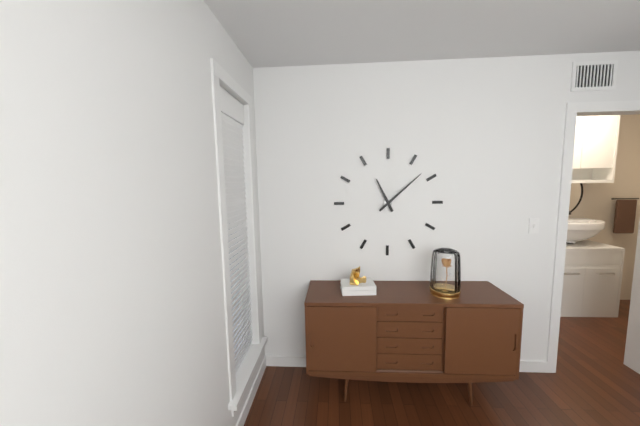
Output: h=11 m=8
